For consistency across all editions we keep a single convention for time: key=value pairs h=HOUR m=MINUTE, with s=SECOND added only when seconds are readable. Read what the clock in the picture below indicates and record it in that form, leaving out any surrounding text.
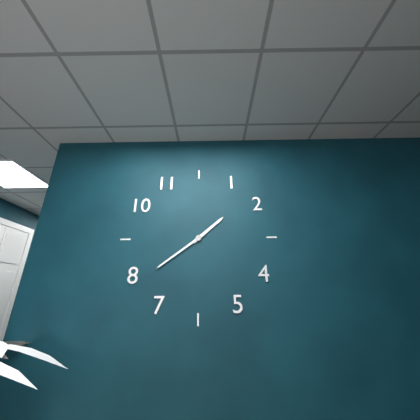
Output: h=1 m=39
